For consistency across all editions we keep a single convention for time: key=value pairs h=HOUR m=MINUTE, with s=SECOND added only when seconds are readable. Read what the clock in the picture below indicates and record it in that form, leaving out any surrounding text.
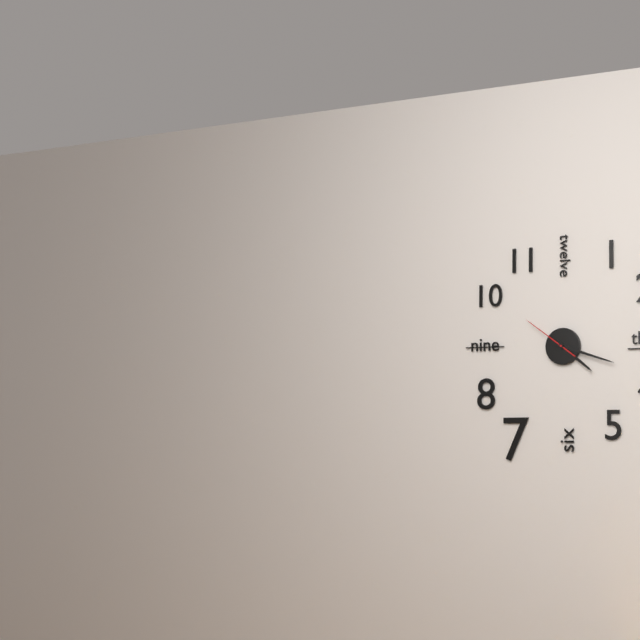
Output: h=4 m=18 s=51
